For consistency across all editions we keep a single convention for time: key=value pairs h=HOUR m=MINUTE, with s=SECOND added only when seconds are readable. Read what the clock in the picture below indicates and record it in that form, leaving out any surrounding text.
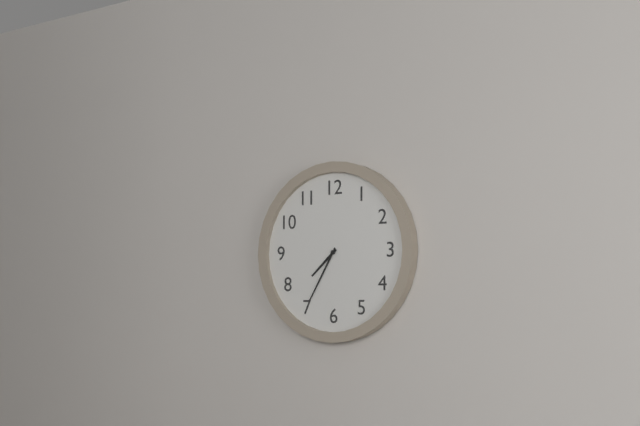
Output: h=7 m=35
